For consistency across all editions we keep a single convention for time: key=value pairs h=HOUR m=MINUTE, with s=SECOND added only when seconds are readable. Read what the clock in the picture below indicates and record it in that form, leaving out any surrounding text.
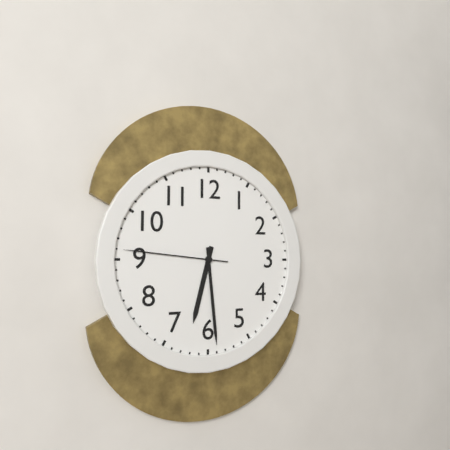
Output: h=6 m=29 s=46
